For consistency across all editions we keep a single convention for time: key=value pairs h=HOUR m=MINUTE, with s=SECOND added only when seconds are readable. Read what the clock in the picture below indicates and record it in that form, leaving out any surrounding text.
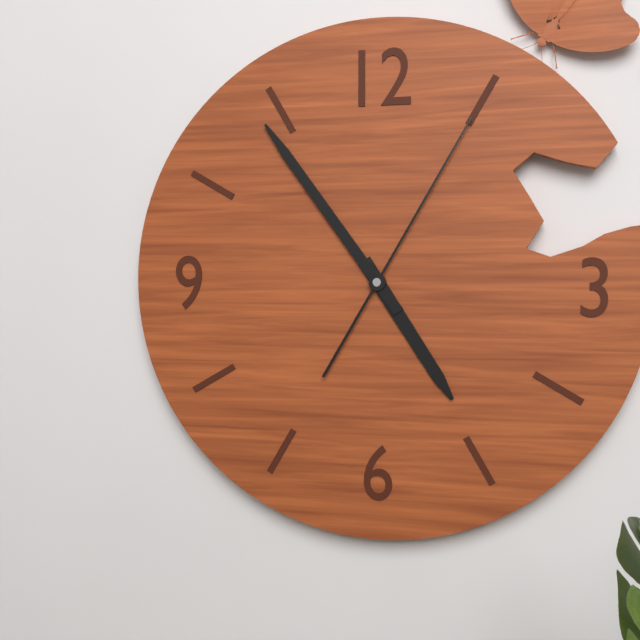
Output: h=4 m=54 s=5
